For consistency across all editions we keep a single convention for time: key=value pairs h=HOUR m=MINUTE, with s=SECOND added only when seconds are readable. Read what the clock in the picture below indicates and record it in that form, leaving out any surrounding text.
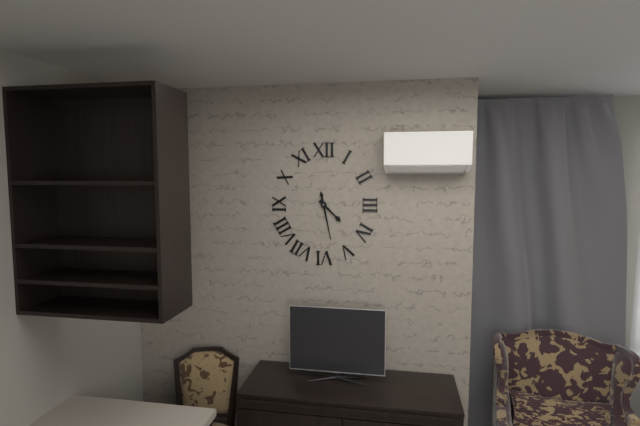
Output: h=4 m=28
